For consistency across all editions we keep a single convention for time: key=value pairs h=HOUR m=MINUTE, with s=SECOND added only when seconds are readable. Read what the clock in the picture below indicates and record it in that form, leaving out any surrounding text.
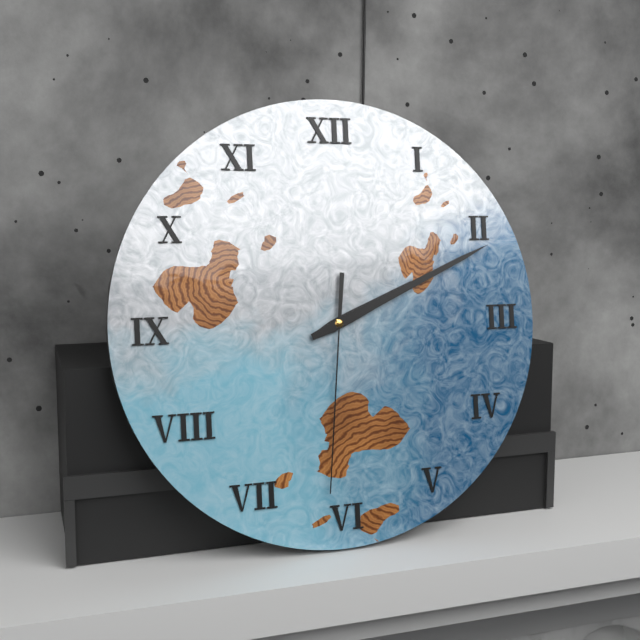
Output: h=2 m=11 s=31
